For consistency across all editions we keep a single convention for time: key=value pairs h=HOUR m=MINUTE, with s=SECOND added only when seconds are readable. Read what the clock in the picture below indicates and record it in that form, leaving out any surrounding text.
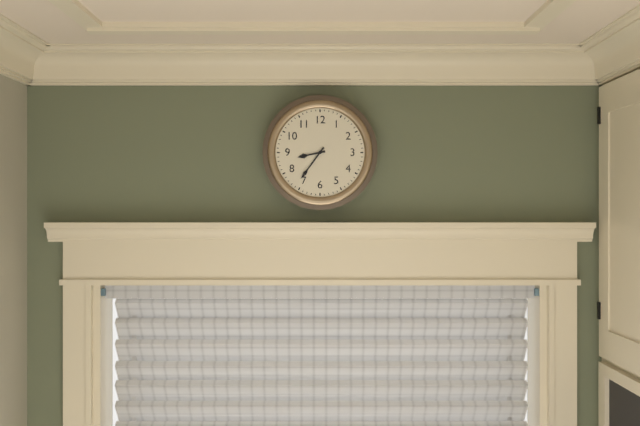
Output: h=8 m=36
